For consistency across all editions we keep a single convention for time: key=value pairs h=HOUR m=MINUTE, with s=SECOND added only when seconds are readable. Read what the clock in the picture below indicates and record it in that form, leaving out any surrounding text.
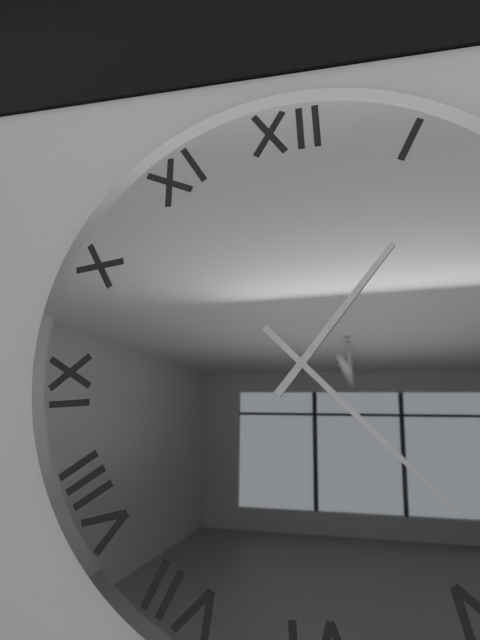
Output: h=1 m=23
